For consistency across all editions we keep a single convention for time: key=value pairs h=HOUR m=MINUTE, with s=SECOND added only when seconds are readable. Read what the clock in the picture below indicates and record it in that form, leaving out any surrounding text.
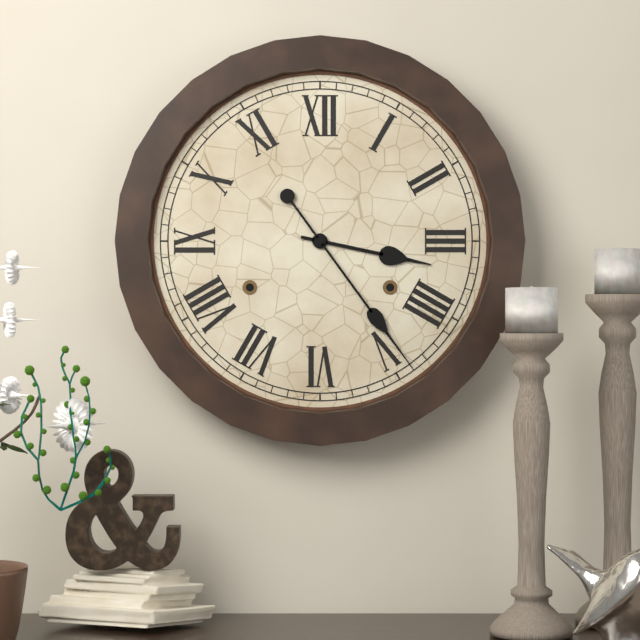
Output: h=3 m=24
